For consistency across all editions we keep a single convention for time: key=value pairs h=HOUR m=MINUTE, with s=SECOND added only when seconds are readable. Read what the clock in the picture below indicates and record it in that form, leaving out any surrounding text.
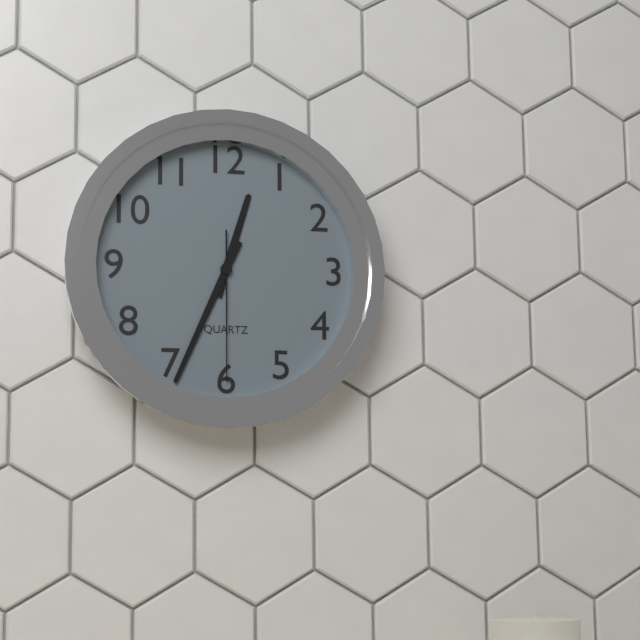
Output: h=12 m=34 s=30
